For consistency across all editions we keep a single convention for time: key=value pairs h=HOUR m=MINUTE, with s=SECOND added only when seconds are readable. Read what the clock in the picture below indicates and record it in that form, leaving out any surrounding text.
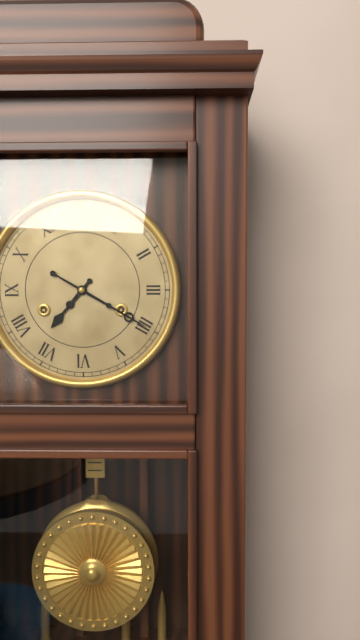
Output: h=7 m=20
